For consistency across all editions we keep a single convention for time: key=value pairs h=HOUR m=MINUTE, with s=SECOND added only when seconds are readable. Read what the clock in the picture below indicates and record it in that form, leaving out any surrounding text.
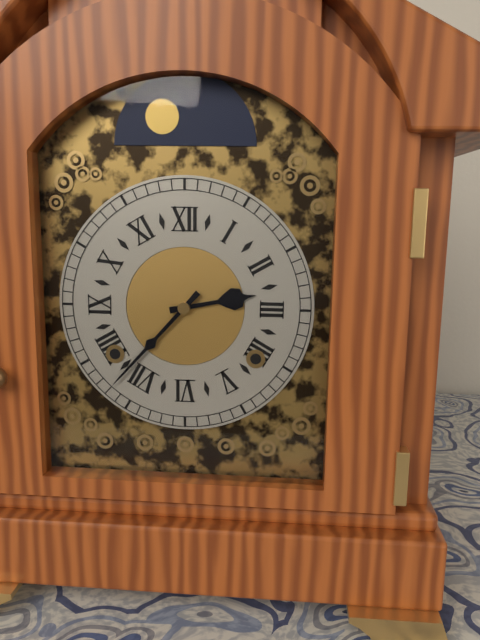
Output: h=2 m=37
